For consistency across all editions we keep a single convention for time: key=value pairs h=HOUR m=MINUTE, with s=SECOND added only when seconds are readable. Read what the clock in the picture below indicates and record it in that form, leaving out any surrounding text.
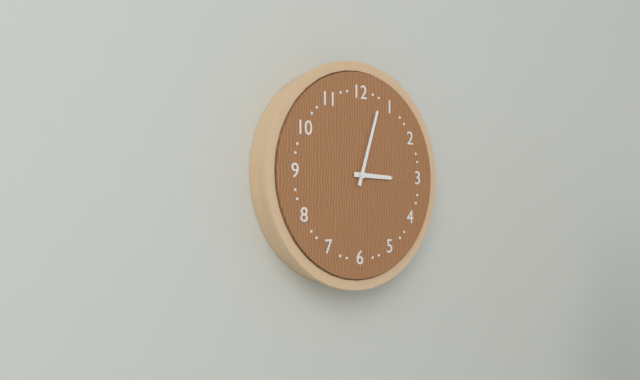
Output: h=3 m=3
